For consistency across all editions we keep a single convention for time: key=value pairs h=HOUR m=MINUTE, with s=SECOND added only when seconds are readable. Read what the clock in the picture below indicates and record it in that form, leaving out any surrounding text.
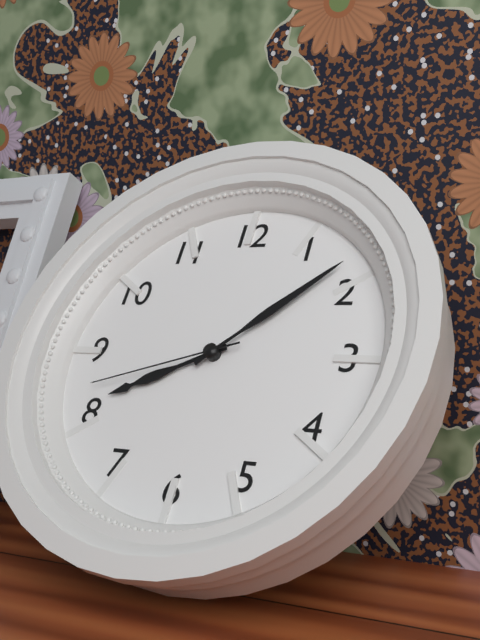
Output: h=8 m=8 s=42
